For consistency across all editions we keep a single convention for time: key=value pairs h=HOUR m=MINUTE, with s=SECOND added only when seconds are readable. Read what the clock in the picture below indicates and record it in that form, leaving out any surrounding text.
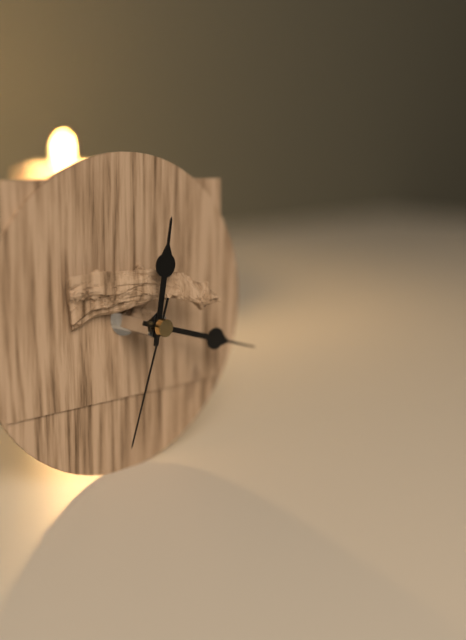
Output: h=12 m=18 s=33
